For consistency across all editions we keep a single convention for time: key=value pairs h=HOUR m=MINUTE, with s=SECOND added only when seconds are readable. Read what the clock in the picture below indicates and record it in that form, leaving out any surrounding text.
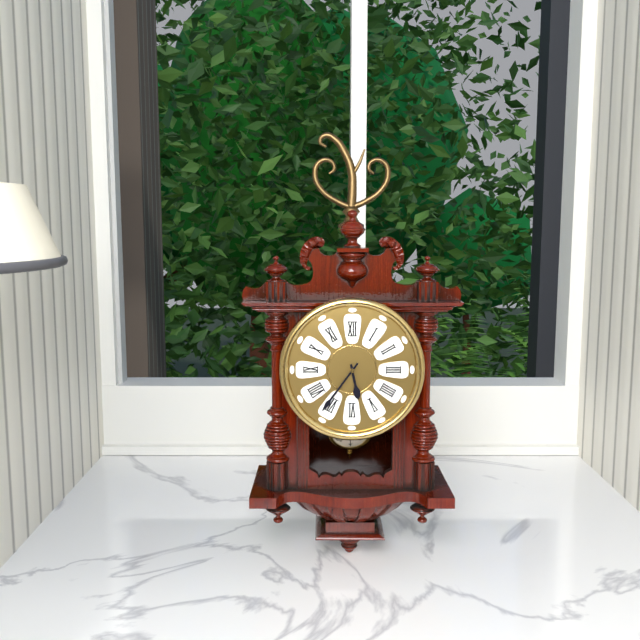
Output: h=5 m=36
